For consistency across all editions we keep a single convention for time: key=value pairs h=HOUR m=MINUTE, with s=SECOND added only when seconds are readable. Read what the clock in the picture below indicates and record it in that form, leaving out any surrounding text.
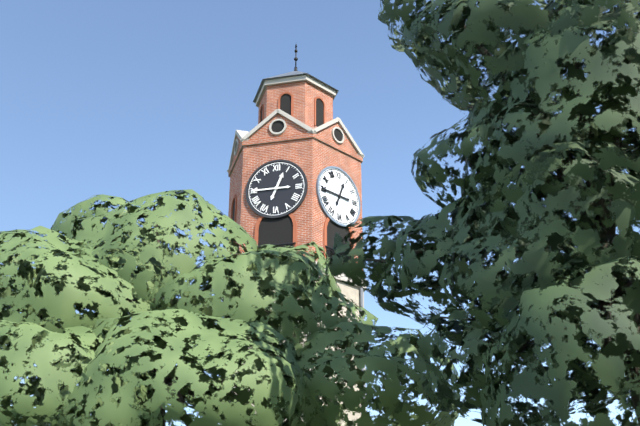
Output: h=12 m=45
